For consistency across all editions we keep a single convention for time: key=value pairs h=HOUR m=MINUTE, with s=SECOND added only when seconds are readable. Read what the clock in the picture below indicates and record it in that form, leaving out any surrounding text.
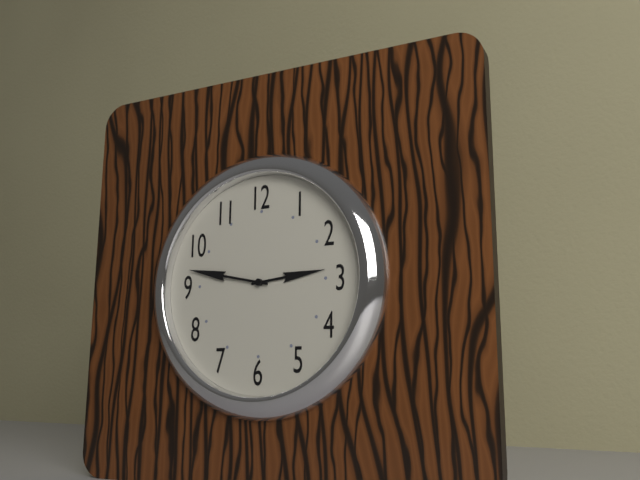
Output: h=2 m=47
